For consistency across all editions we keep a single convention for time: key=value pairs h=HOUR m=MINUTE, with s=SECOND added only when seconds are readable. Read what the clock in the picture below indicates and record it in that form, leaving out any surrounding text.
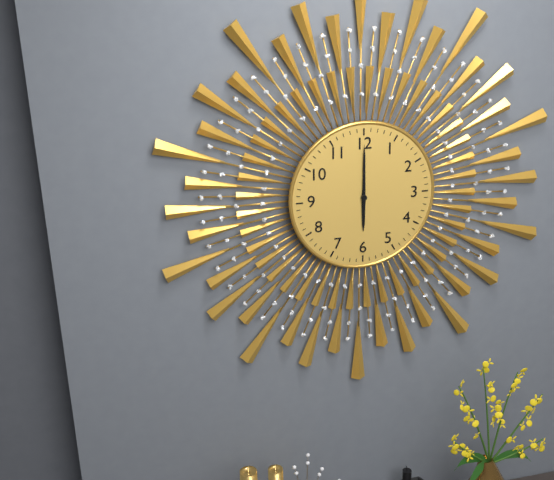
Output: h=6 m=0
